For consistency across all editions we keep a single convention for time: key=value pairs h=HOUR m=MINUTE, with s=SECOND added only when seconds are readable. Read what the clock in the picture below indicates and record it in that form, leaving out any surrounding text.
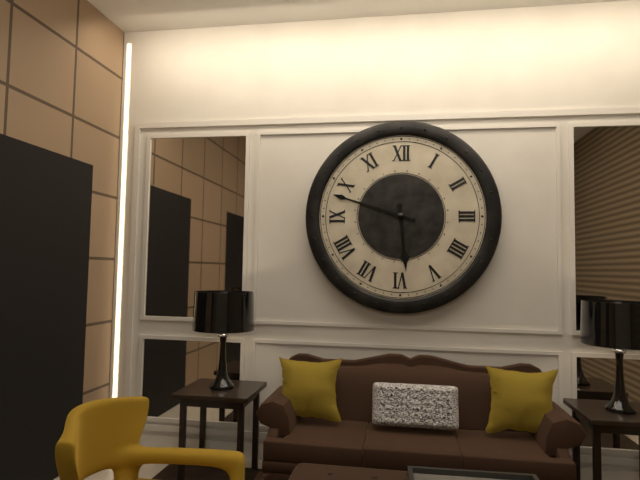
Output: h=5 m=48
